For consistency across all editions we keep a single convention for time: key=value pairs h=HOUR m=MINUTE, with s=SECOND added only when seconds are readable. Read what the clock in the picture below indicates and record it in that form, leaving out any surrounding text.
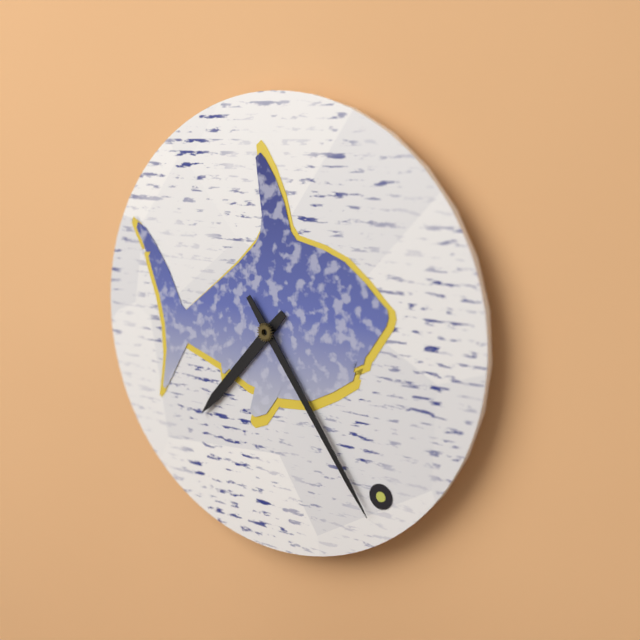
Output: h=7 m=24
